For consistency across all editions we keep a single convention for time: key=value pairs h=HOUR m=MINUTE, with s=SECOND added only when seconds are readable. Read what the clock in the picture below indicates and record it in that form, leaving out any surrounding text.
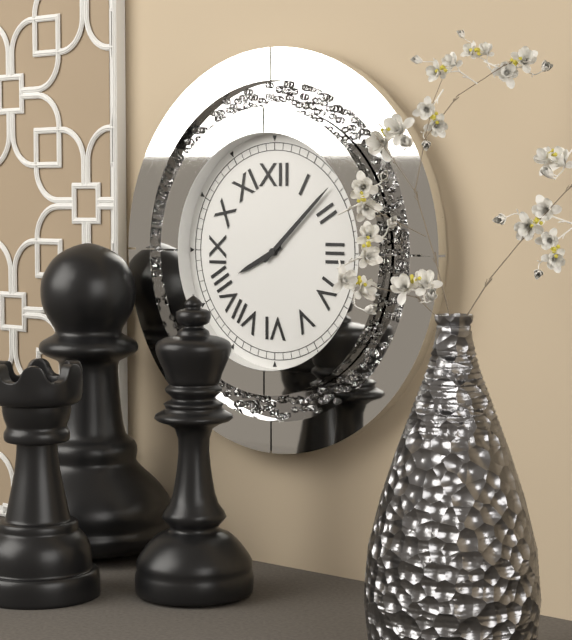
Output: h=8 m=8
